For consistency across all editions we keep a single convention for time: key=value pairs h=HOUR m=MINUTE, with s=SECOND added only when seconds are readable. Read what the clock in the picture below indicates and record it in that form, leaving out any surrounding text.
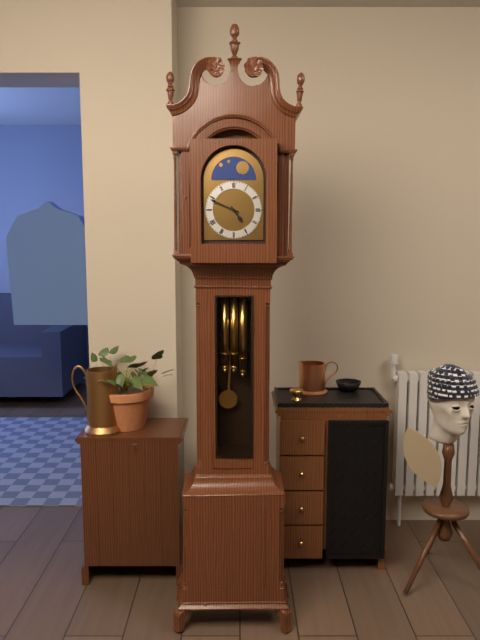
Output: h=4 m=49
